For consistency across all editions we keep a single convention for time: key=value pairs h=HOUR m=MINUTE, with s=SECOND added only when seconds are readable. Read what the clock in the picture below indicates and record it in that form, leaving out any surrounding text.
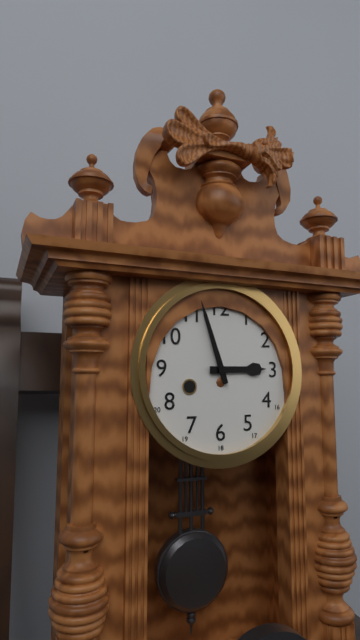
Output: h=2 m=57
